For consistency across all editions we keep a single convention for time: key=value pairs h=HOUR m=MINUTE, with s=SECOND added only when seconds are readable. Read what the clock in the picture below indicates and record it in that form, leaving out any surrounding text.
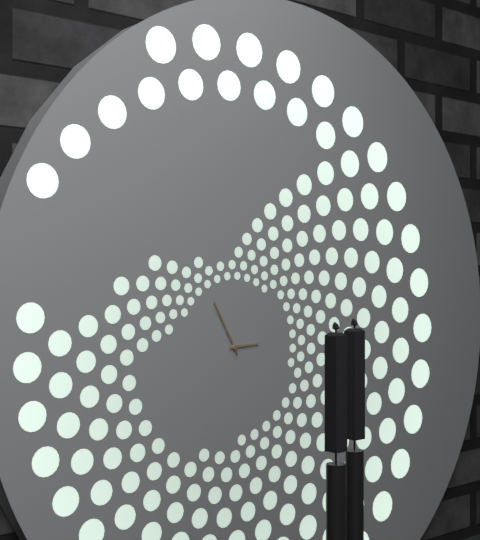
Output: h=2 m=55
